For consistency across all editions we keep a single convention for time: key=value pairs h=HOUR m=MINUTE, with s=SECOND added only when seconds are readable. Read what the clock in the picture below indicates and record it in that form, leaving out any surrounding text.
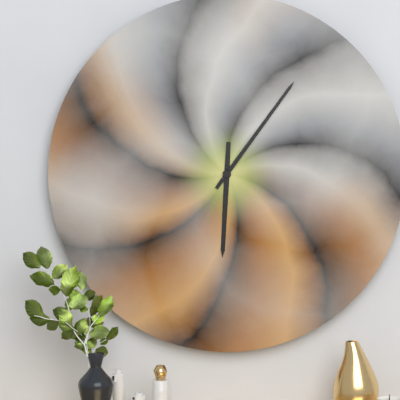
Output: h=6 m=6
